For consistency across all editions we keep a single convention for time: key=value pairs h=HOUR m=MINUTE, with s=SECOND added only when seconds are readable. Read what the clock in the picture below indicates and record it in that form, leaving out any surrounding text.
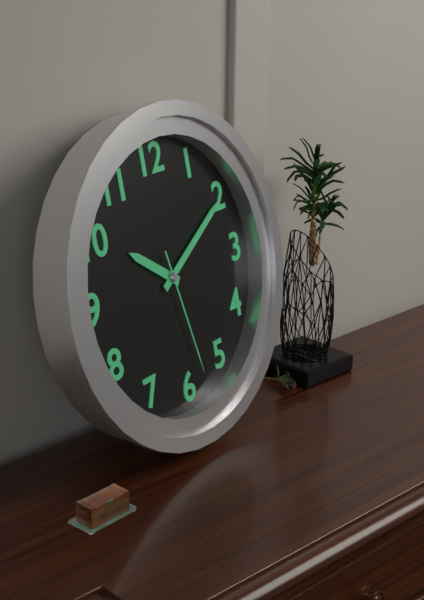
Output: h=10 m=10 s=28
